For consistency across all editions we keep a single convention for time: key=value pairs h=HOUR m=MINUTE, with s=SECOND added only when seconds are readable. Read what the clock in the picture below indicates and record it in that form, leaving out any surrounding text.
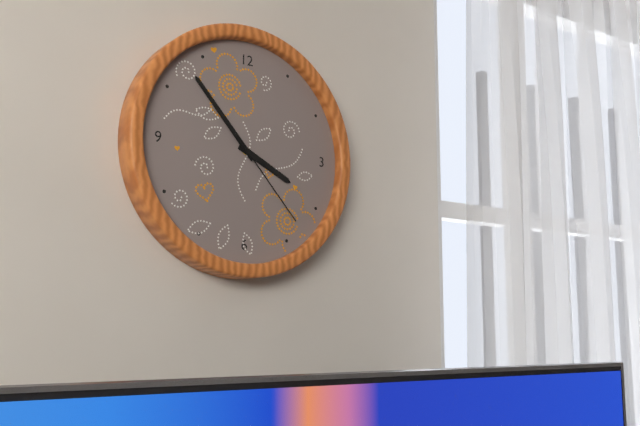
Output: h=3 m=53 s=23
